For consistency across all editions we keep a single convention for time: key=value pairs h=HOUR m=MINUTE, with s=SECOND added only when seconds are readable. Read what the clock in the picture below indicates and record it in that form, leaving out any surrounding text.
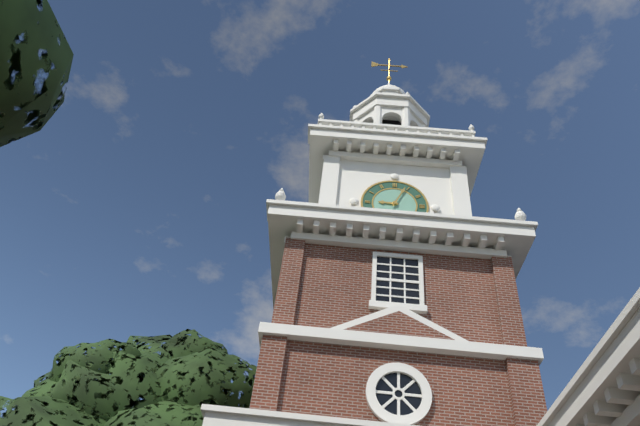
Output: h=9 m=4
